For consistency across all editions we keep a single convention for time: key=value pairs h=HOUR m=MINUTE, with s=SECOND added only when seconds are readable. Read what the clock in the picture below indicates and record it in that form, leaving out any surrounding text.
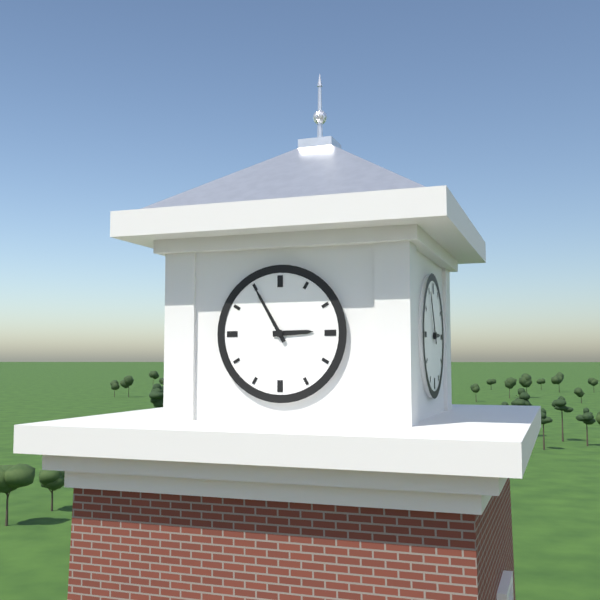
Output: h=2 m=55
